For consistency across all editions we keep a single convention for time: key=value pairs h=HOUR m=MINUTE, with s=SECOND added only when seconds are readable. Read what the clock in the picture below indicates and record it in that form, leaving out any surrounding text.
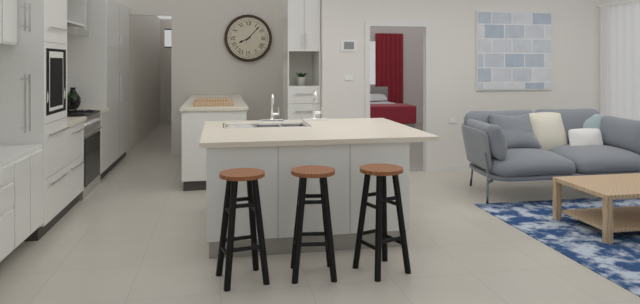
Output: h=8 m=7
